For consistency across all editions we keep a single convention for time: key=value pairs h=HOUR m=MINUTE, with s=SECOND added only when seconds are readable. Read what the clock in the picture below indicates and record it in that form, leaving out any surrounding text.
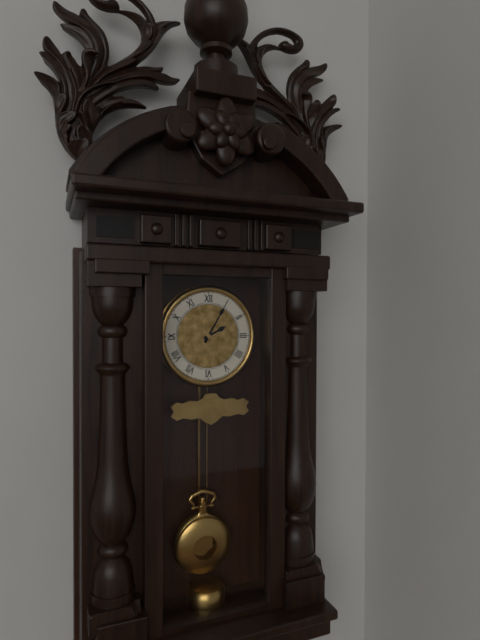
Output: h=2 m=5
